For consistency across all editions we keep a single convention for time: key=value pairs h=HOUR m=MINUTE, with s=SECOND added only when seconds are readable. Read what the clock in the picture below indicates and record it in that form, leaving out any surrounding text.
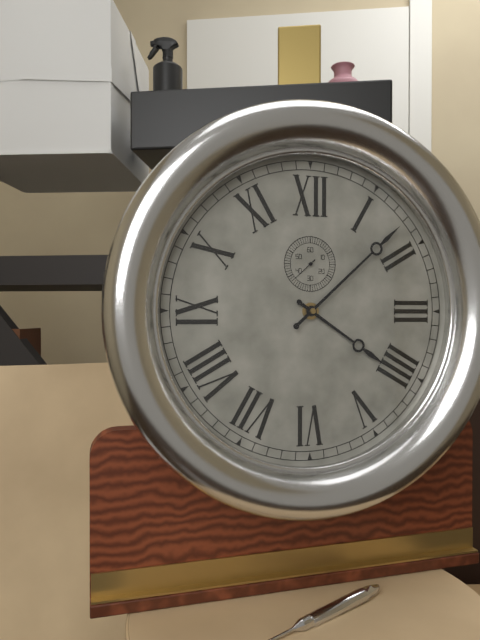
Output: h=4 m=8
